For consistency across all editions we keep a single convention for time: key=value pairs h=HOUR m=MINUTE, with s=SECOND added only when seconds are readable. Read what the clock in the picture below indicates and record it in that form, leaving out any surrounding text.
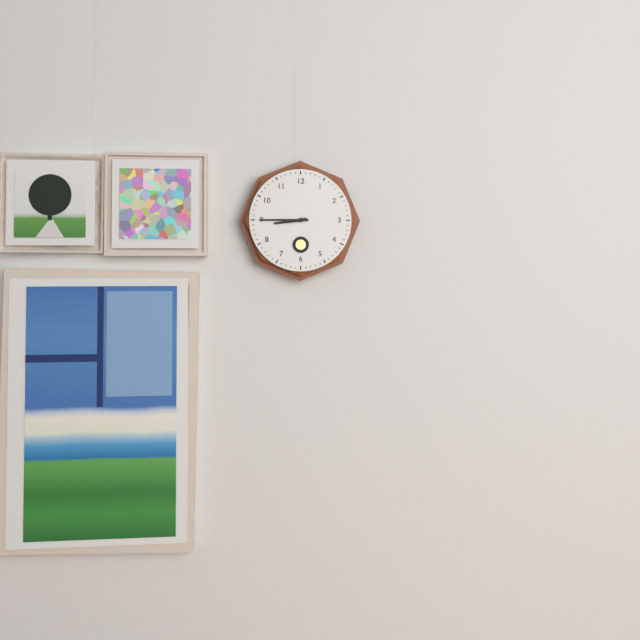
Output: h=8 m=45
